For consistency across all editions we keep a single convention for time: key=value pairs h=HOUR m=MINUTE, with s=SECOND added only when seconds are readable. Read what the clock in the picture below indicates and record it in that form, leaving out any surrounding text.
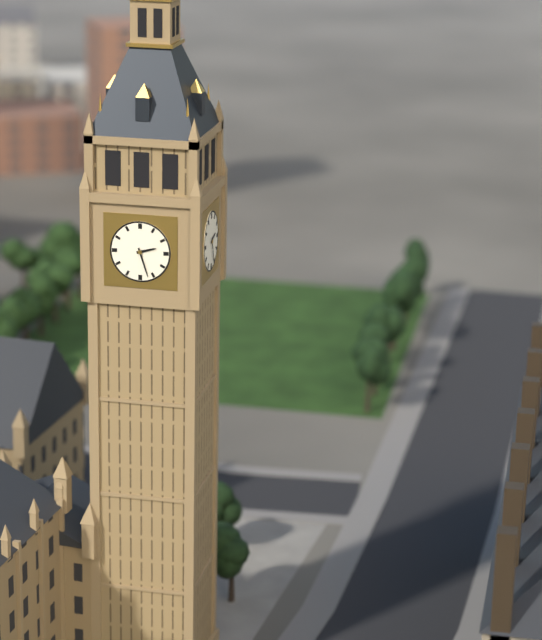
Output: h=2 m=27
